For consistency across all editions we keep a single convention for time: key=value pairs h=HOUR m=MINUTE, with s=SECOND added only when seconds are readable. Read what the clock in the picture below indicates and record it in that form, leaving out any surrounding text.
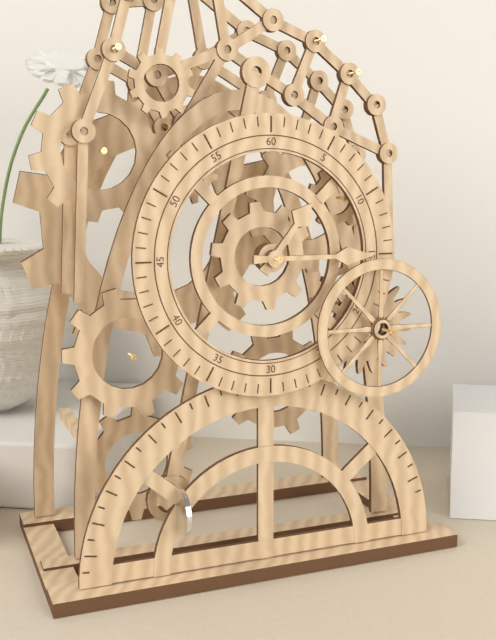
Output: h=1 m=15
